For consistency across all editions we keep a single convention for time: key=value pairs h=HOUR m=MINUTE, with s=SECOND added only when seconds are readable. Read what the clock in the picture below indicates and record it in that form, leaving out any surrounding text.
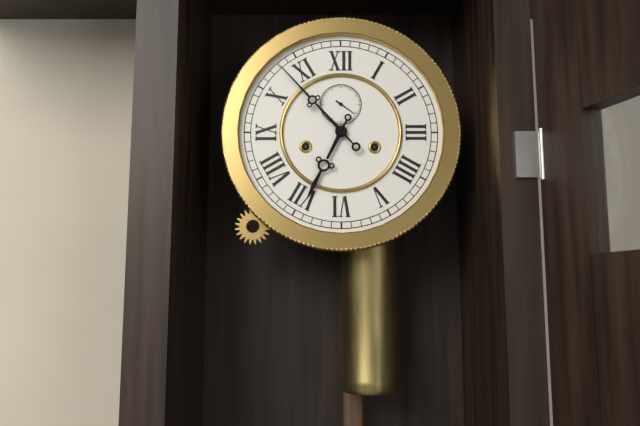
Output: h=6 m=53
